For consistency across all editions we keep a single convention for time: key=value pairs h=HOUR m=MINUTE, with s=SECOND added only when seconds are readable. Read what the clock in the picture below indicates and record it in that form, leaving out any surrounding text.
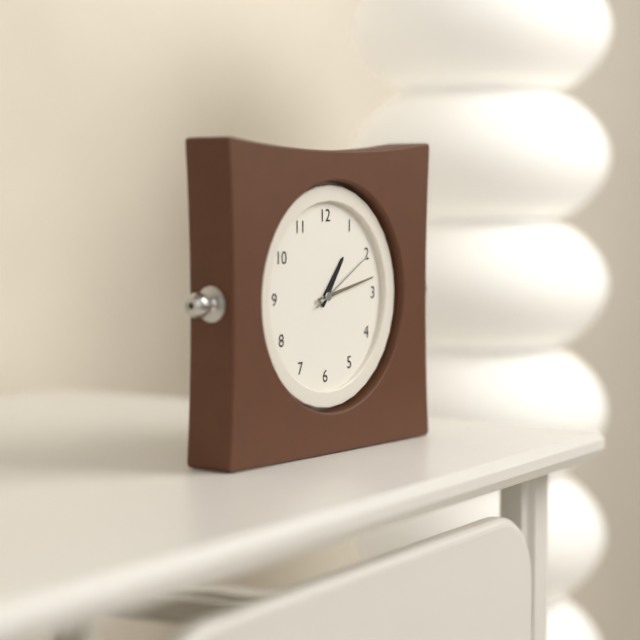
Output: h=1 m=13 s=10
